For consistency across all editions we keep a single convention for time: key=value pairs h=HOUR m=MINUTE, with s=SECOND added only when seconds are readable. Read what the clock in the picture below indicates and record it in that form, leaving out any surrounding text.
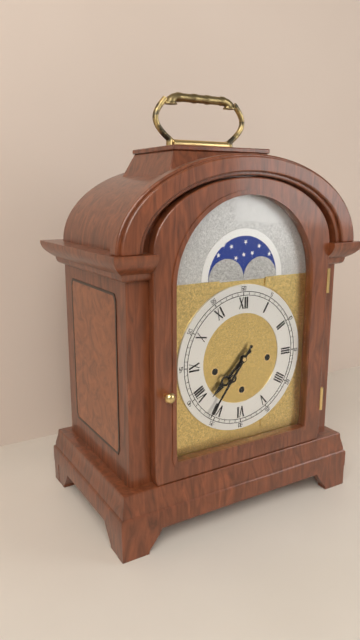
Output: h=7 m=36
